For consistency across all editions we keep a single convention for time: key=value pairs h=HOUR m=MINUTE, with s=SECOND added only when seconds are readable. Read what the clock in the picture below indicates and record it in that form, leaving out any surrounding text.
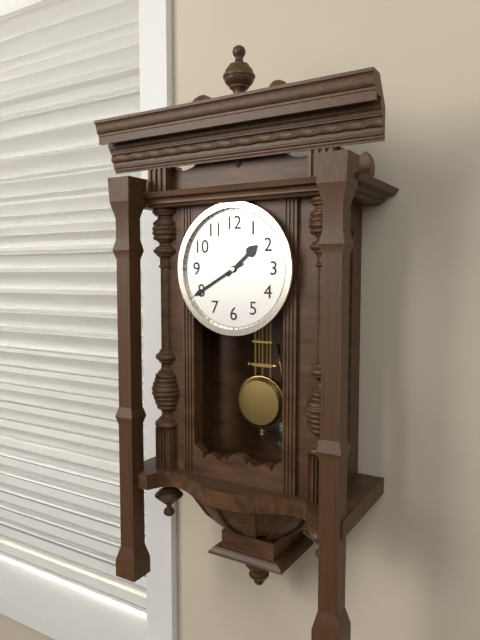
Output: h=1 m=40
